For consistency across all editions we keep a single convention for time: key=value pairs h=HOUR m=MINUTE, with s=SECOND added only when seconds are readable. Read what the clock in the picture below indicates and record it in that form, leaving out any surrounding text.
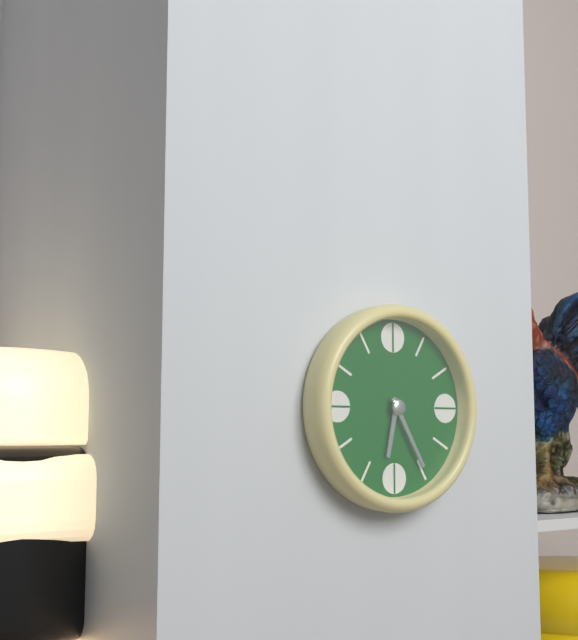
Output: h=6 m=25
